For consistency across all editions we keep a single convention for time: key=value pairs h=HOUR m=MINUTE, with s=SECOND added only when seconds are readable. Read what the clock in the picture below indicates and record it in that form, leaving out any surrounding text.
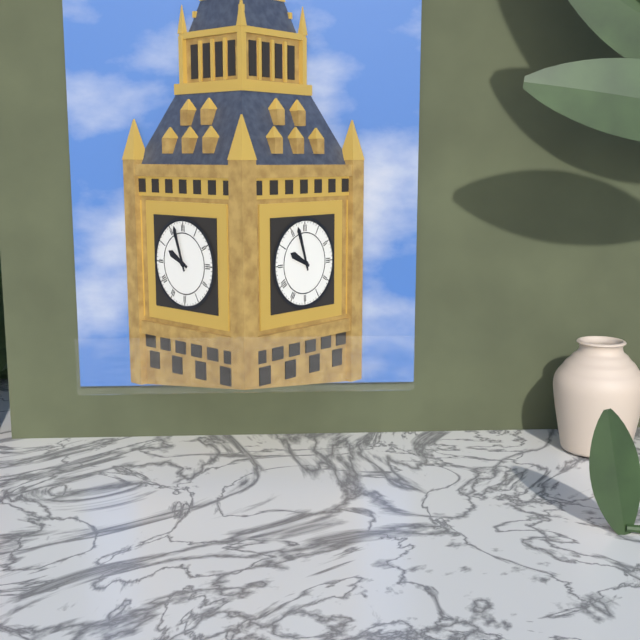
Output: h=9 m=57
